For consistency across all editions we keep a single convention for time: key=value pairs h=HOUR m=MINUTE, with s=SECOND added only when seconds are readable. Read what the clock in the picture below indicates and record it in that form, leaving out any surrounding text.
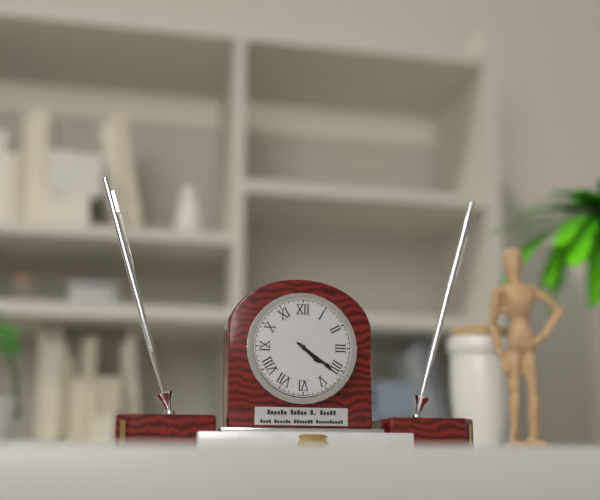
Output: h=4 m=21
